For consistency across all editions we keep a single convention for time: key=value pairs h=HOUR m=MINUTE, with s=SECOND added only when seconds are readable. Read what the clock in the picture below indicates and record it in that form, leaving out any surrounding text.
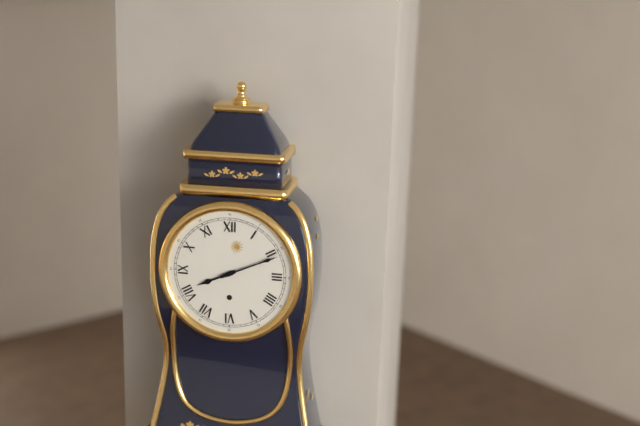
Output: h=8 m=11
